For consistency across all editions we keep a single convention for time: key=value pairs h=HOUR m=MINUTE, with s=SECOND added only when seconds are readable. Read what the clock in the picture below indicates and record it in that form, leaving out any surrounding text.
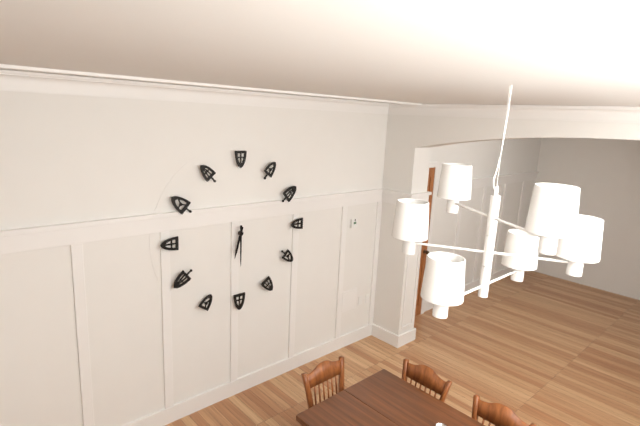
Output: h=6 m=30
